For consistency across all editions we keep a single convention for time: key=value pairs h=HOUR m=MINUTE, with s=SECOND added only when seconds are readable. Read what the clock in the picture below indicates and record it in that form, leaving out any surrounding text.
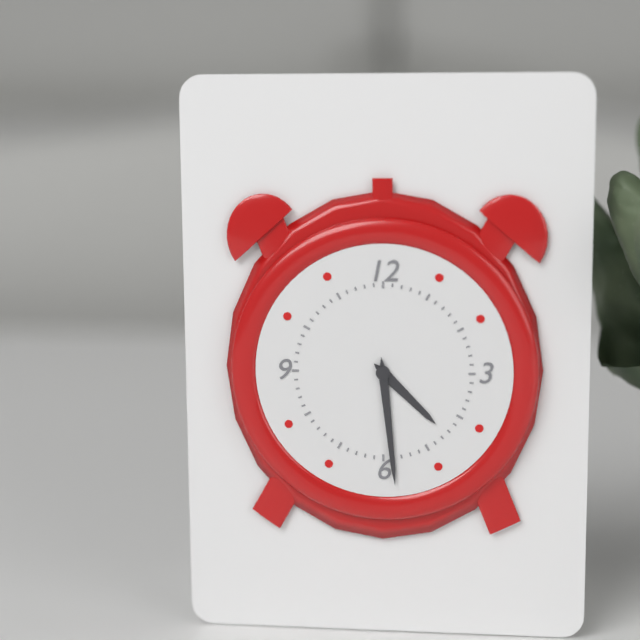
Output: h=4 m=29
